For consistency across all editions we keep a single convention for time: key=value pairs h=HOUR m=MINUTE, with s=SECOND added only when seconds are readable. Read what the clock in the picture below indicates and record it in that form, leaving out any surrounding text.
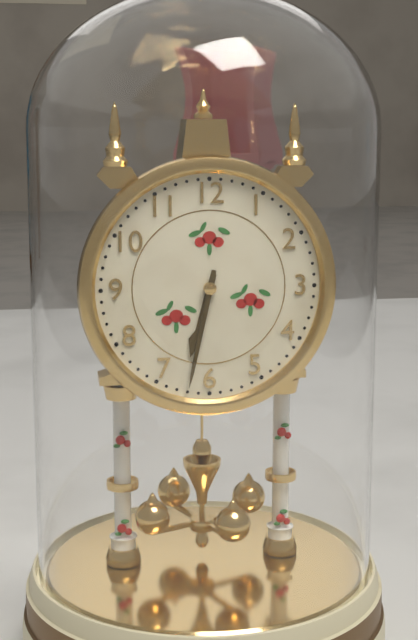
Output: h=6 m=32
